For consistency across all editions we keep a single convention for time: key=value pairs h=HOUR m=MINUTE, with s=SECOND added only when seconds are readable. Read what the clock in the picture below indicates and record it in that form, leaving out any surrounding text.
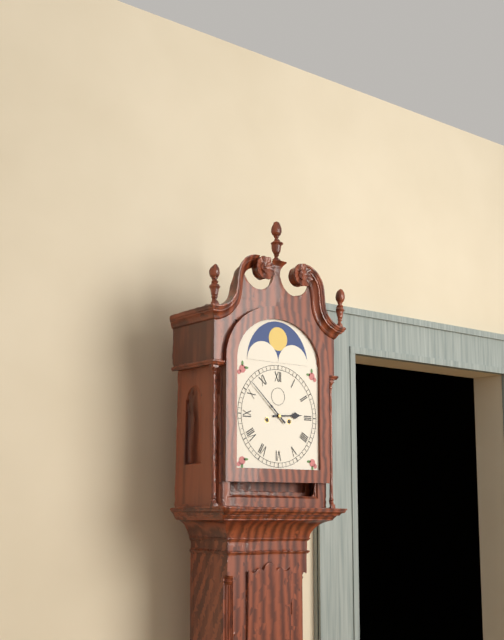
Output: h=2 m=52
